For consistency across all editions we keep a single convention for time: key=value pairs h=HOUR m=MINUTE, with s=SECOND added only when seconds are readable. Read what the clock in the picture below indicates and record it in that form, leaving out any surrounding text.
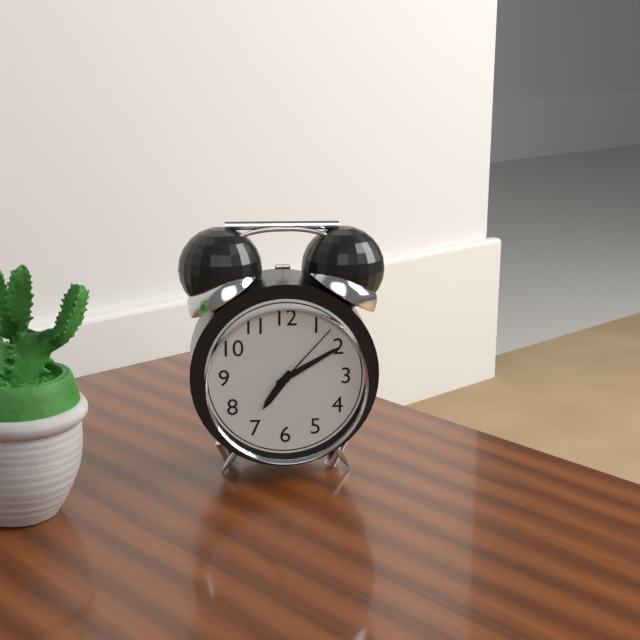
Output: h=7 m=10 s=7
